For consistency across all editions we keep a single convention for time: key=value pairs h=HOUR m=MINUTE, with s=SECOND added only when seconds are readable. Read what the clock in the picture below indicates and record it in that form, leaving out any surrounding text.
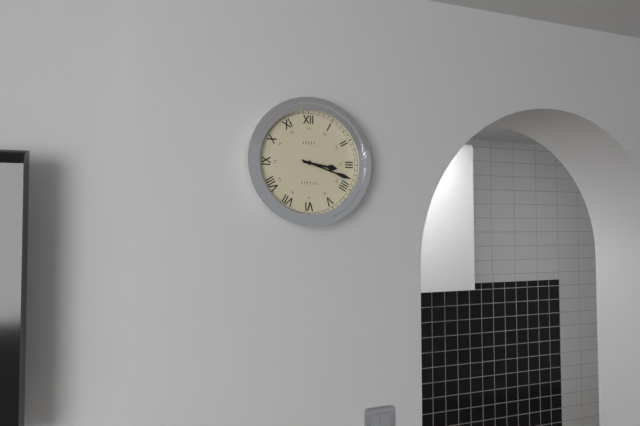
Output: h=3 m=18
